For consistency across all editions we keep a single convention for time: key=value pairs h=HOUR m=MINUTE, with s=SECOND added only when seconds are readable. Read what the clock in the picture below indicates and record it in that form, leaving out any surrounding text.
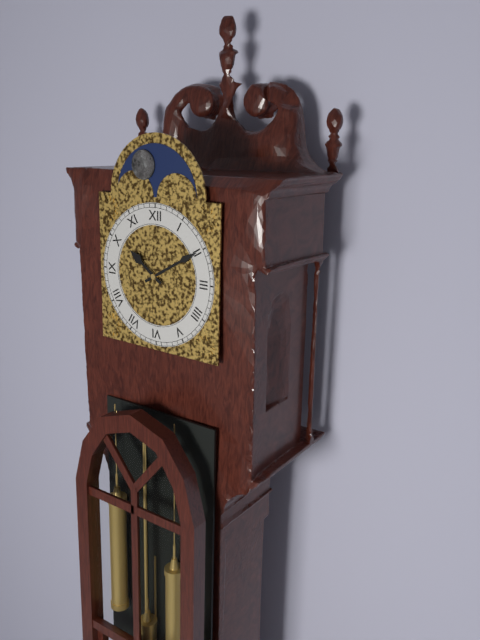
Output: h=10 m=10
